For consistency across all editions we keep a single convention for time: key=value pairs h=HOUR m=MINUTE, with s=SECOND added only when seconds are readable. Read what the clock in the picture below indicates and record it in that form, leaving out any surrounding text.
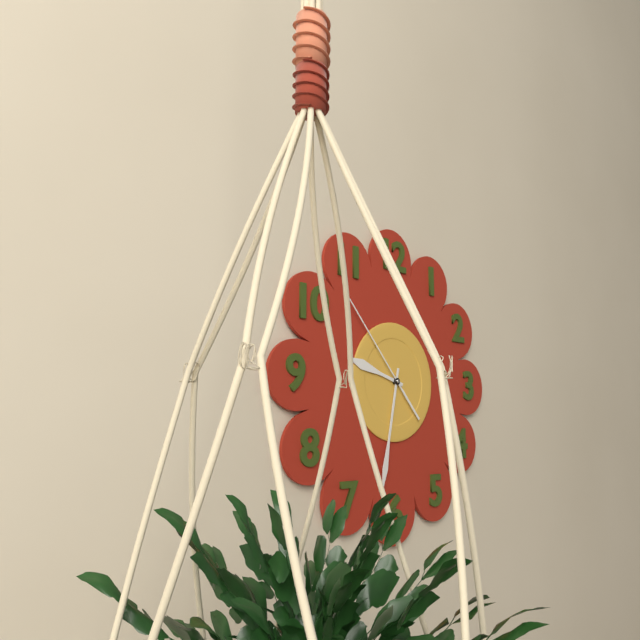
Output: h=9 m=32 s=53
